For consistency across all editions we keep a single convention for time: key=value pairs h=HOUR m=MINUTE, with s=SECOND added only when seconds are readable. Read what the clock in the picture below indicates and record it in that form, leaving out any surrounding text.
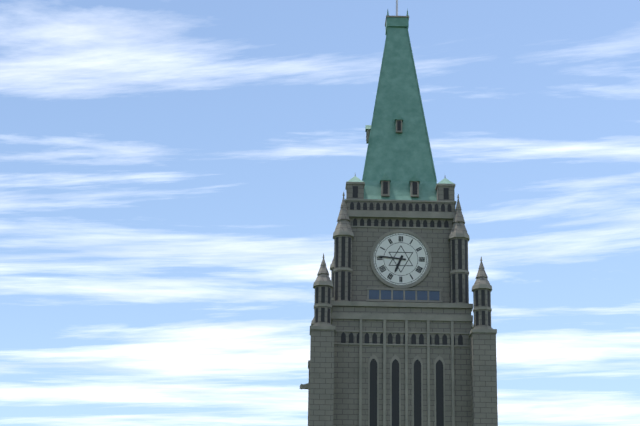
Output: h=6 m=46
